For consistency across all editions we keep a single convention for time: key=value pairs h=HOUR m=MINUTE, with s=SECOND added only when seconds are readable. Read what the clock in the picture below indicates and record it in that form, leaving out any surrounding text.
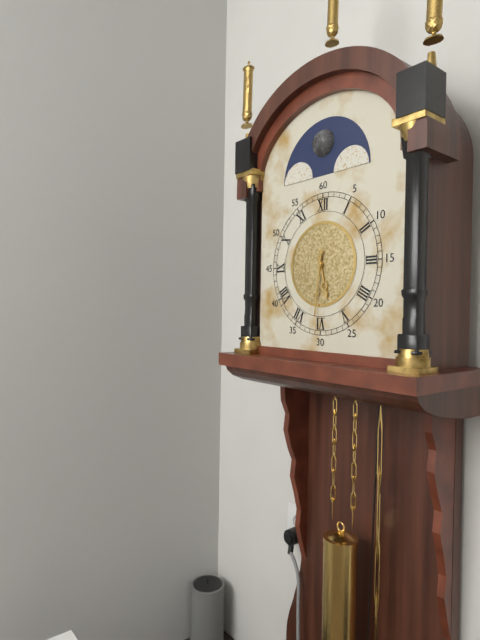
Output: h=5 m=31
